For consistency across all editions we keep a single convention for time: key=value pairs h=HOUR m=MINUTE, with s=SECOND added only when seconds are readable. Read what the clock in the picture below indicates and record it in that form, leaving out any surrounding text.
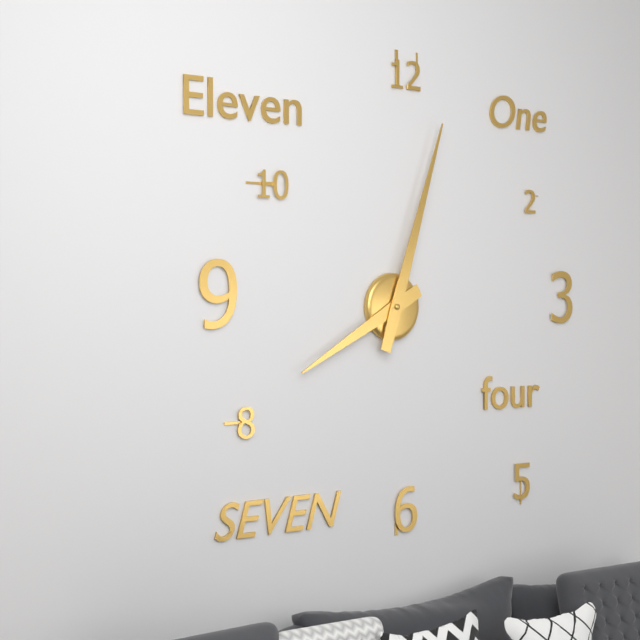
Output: h=8 m=3
